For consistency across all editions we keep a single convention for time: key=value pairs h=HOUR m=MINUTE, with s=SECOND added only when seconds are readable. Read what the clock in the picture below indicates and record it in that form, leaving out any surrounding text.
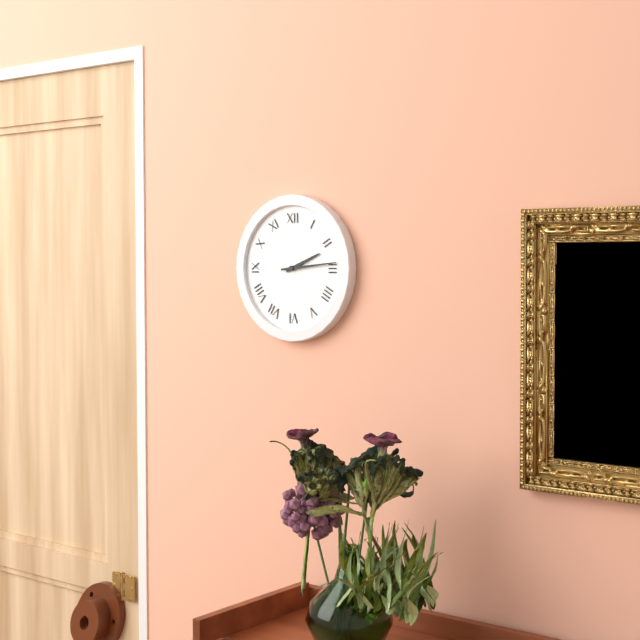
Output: h=2 m=14
